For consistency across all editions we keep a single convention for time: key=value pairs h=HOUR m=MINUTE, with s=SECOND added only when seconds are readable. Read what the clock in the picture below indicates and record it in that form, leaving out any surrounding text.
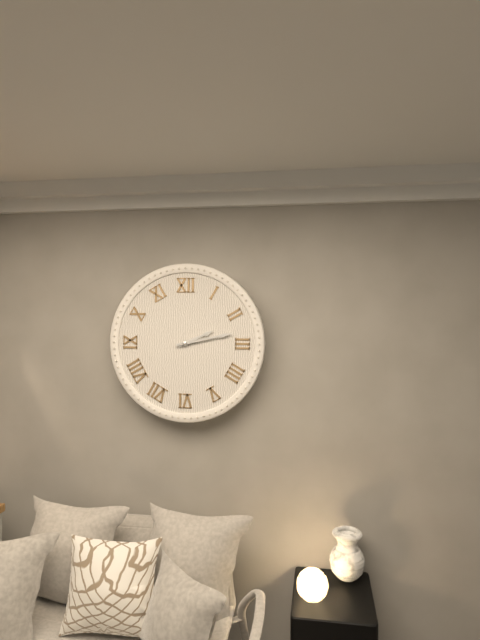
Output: h=2 m=13
